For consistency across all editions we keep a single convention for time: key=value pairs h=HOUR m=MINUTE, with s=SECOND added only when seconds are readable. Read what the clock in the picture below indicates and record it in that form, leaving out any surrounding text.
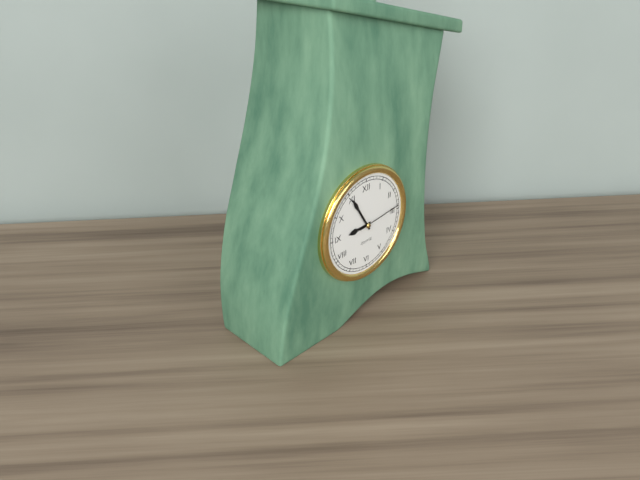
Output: h=8 m=55
